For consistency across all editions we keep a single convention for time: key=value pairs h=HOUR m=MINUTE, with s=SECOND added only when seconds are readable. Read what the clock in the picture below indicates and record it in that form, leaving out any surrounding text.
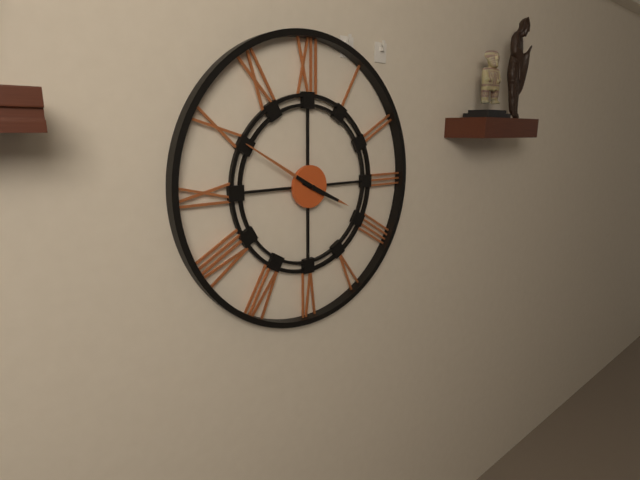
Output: h=3 m=50
